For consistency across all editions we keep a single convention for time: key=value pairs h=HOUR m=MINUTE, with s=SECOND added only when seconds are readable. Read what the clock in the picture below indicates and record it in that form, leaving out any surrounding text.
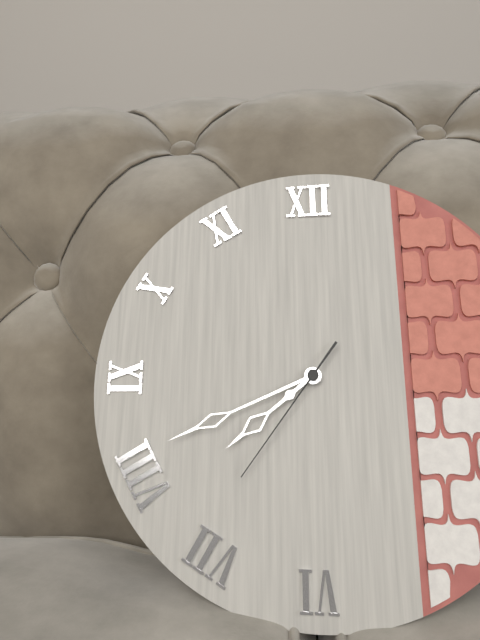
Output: h=7 m=41 s=36
